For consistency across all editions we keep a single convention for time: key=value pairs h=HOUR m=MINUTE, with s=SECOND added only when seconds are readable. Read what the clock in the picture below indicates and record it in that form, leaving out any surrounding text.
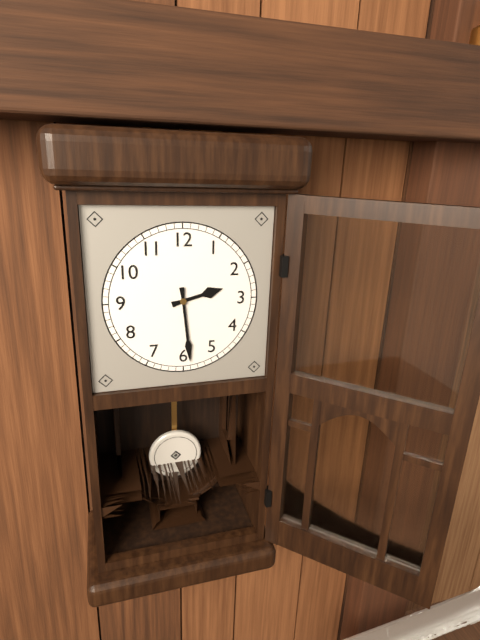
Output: h=2 m=29
